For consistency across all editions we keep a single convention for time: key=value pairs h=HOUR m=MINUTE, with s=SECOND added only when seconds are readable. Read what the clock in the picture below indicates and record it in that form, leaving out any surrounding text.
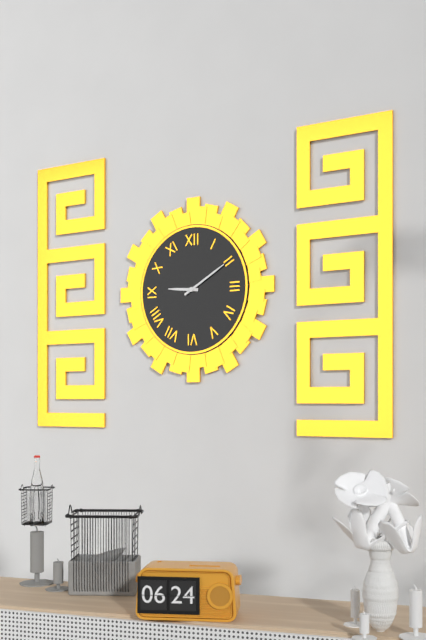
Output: h=9 m=10
